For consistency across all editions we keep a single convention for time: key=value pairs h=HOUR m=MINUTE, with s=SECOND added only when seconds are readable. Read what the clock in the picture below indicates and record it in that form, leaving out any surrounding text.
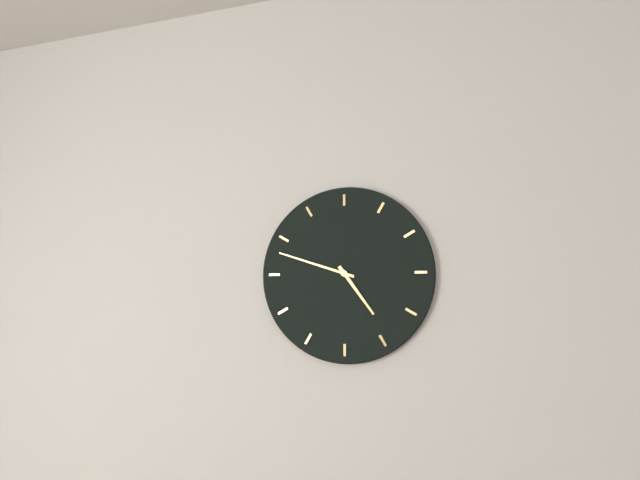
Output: h=4 m=48
